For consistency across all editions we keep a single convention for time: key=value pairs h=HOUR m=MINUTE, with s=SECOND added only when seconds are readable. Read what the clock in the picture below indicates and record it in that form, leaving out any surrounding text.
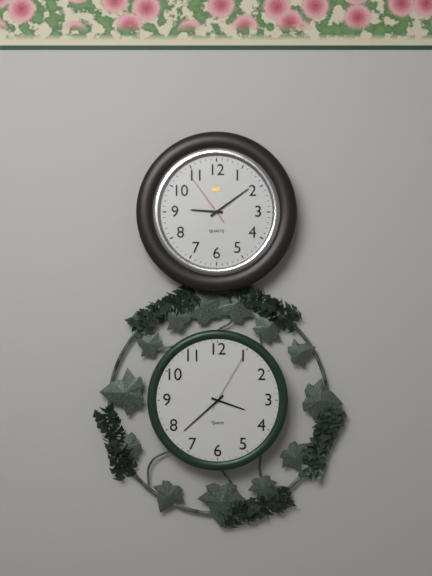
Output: h=9 m=9 s=54
